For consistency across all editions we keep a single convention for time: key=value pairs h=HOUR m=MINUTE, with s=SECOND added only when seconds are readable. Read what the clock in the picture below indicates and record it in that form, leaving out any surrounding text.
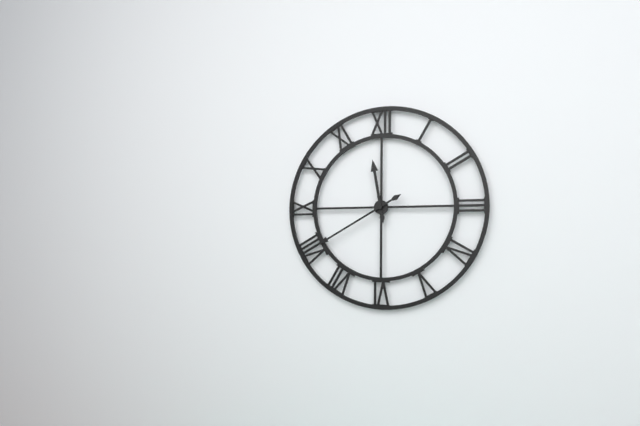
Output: h=11 m=40
